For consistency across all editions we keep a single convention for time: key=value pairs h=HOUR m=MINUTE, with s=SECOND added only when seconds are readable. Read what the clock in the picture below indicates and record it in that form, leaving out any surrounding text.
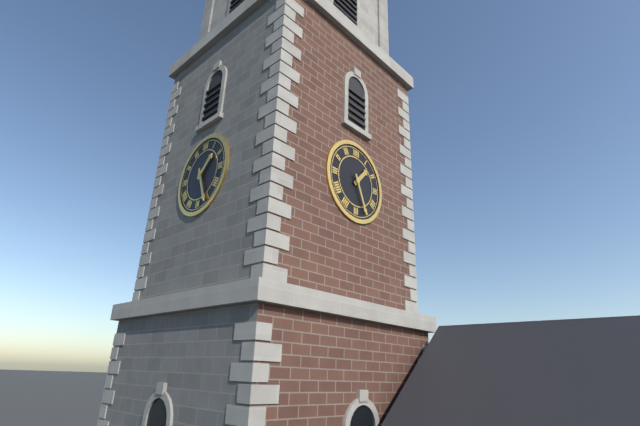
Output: h=1 m=26
